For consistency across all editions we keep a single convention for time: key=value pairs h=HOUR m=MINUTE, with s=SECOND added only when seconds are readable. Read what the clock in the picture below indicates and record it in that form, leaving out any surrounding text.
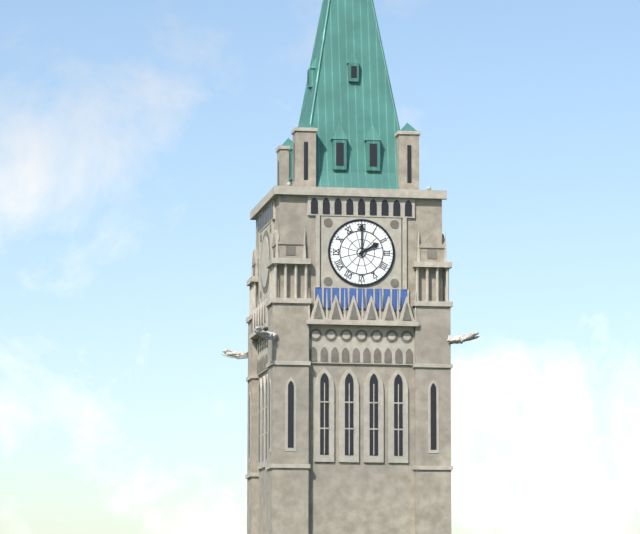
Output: h=2 m=0
